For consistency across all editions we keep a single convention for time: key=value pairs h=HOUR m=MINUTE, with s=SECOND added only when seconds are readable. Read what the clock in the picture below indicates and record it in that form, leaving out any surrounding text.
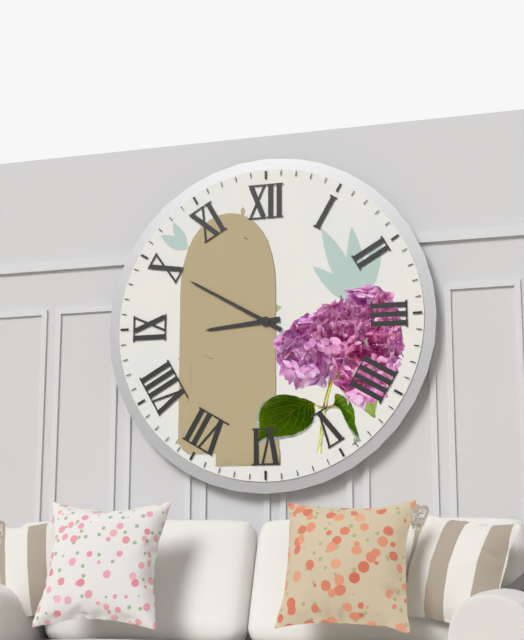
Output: h=8 m=50
